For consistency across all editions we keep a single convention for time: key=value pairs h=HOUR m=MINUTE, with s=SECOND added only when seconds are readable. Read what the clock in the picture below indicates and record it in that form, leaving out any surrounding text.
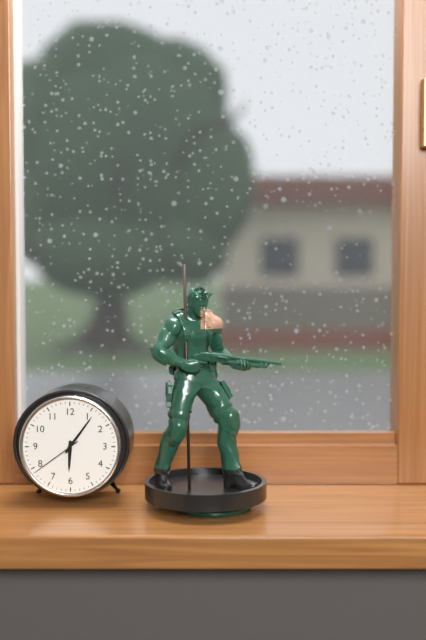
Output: h=6 m=6 s=39
